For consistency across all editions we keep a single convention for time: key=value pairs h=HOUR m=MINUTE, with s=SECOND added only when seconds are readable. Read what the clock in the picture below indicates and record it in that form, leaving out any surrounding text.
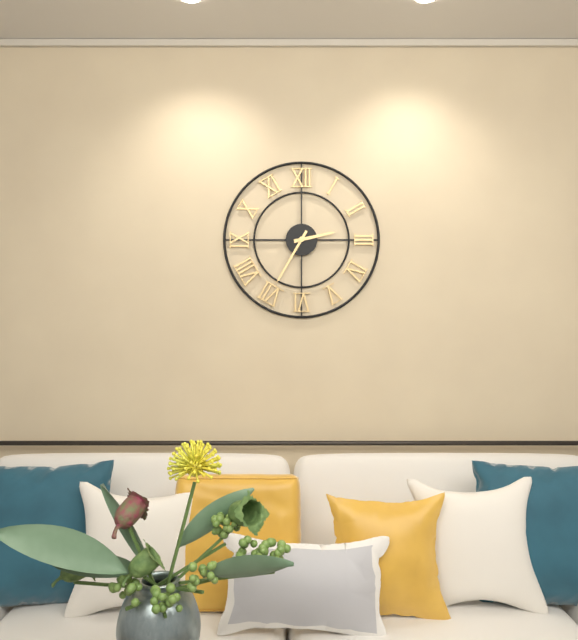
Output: h=2 m=35
